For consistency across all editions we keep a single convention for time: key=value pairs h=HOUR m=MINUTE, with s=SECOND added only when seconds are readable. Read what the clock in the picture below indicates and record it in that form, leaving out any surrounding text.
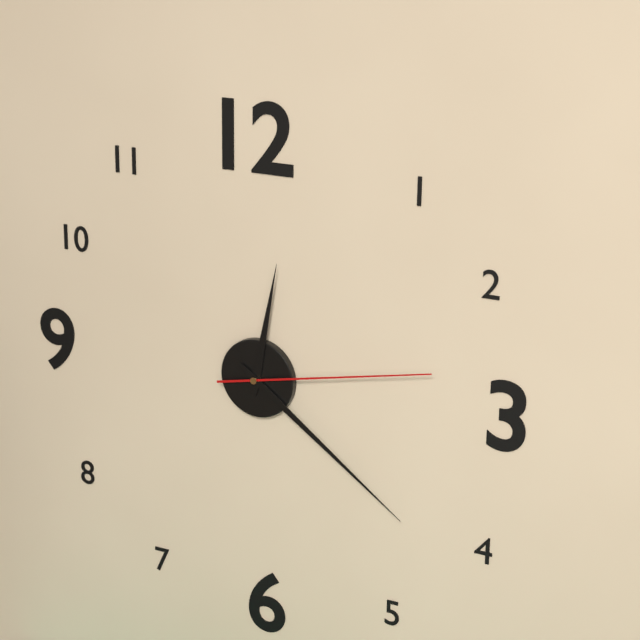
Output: h=12 m=21 s=13
